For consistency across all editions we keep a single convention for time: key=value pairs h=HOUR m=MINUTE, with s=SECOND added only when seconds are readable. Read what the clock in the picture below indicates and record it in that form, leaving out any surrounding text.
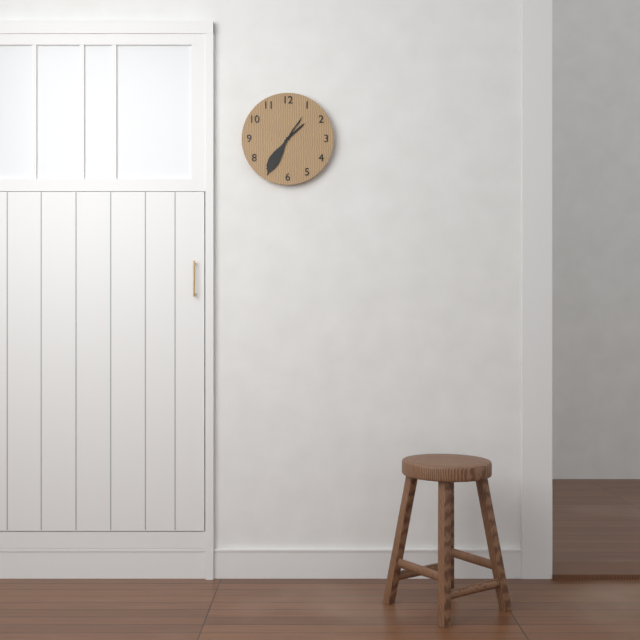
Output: h=1 m=35
